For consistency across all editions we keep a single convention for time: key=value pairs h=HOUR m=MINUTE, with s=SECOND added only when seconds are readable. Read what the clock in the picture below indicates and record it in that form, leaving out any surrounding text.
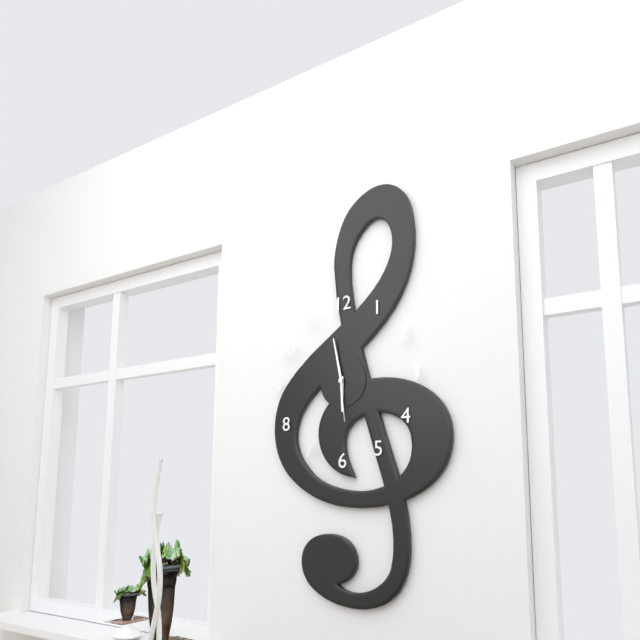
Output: h=5 m=58 s=29
